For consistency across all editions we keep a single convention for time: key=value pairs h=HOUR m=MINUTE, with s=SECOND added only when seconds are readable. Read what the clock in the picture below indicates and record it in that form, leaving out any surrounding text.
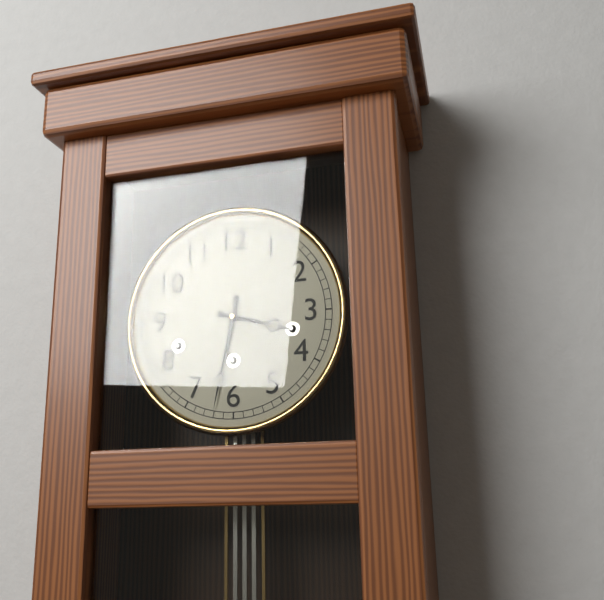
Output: h=3 m=32
